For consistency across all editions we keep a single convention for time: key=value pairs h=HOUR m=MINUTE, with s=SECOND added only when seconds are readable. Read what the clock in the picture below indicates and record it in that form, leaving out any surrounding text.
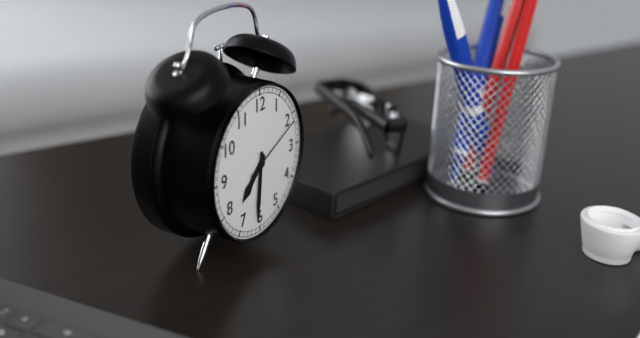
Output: h=7 m=31 s=11
